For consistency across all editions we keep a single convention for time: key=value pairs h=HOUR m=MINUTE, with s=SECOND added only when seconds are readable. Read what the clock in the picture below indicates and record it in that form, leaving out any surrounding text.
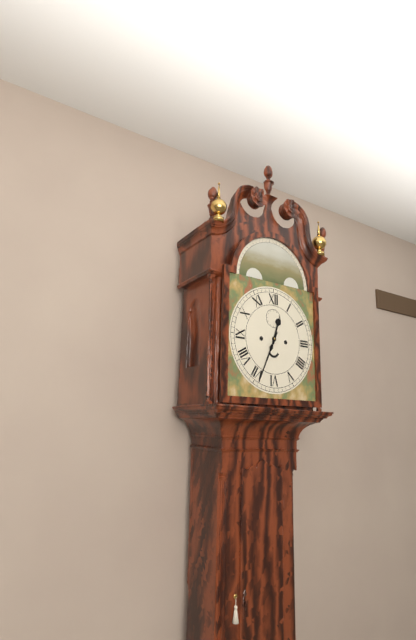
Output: h=12 m=34
